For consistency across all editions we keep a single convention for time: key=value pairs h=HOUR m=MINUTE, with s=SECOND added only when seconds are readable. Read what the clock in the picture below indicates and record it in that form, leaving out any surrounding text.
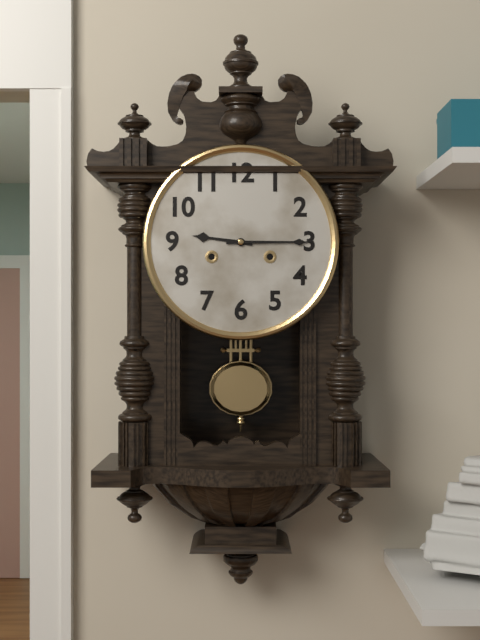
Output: h=9 m=15
